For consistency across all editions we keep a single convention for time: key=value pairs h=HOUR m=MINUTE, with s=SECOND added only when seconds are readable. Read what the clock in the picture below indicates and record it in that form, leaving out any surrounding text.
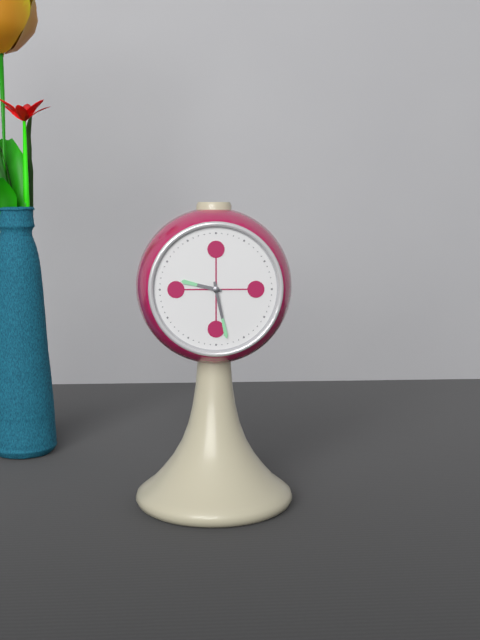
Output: h=9 m=28
